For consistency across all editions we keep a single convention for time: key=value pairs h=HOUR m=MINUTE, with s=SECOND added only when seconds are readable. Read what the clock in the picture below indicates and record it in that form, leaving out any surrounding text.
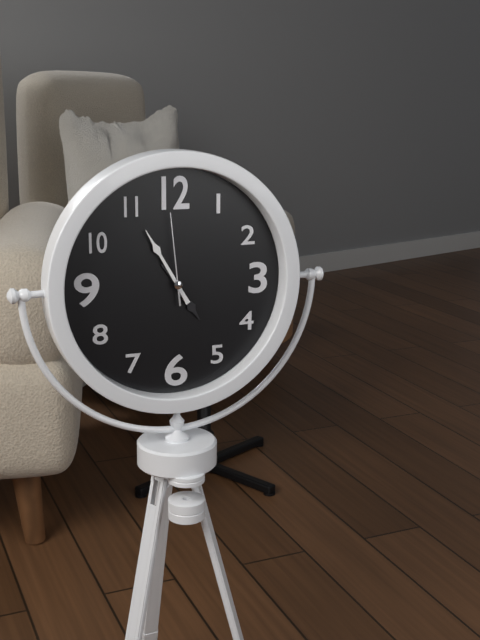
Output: h=4 m=55 s=59
